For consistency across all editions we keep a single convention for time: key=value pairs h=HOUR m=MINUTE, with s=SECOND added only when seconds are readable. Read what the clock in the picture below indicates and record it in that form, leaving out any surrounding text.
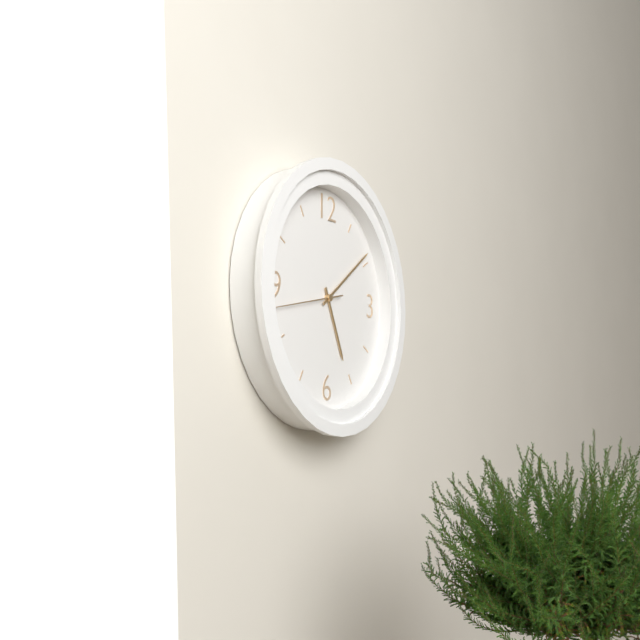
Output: h=5 m=9 s=43
